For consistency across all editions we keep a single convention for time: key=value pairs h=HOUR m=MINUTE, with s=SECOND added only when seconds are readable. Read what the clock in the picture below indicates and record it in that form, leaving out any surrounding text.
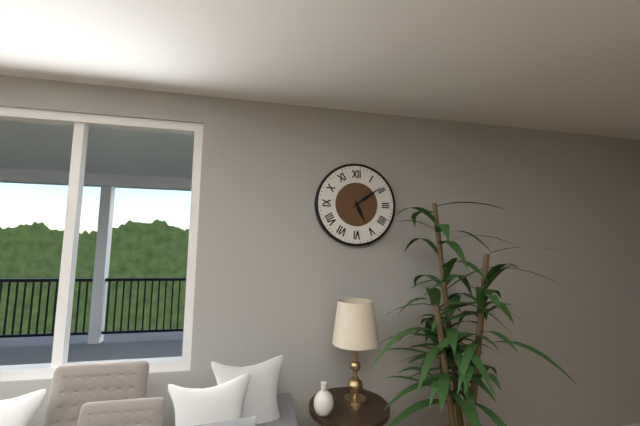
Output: h=5 m=9
